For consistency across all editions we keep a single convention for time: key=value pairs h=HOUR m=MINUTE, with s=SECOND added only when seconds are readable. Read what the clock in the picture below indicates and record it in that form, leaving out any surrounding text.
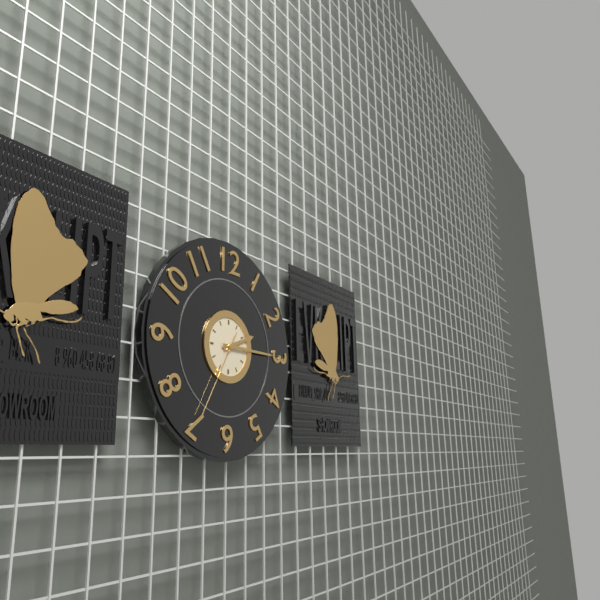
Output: h=2 m=15 s=35
